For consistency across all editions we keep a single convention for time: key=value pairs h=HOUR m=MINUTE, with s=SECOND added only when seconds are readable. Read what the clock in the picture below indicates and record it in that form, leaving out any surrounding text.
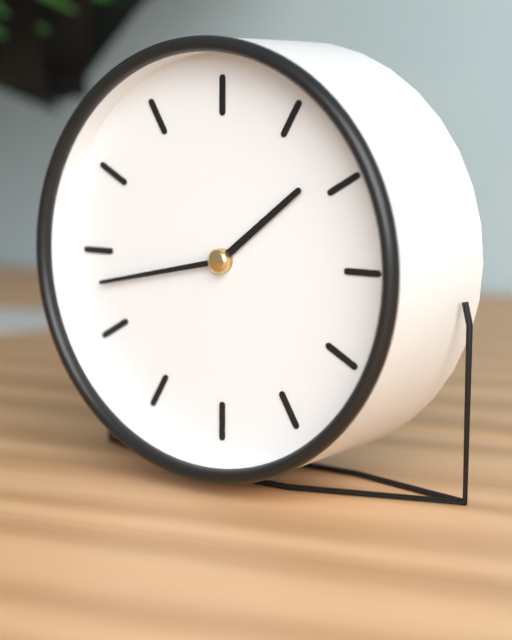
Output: h=1 m=43
